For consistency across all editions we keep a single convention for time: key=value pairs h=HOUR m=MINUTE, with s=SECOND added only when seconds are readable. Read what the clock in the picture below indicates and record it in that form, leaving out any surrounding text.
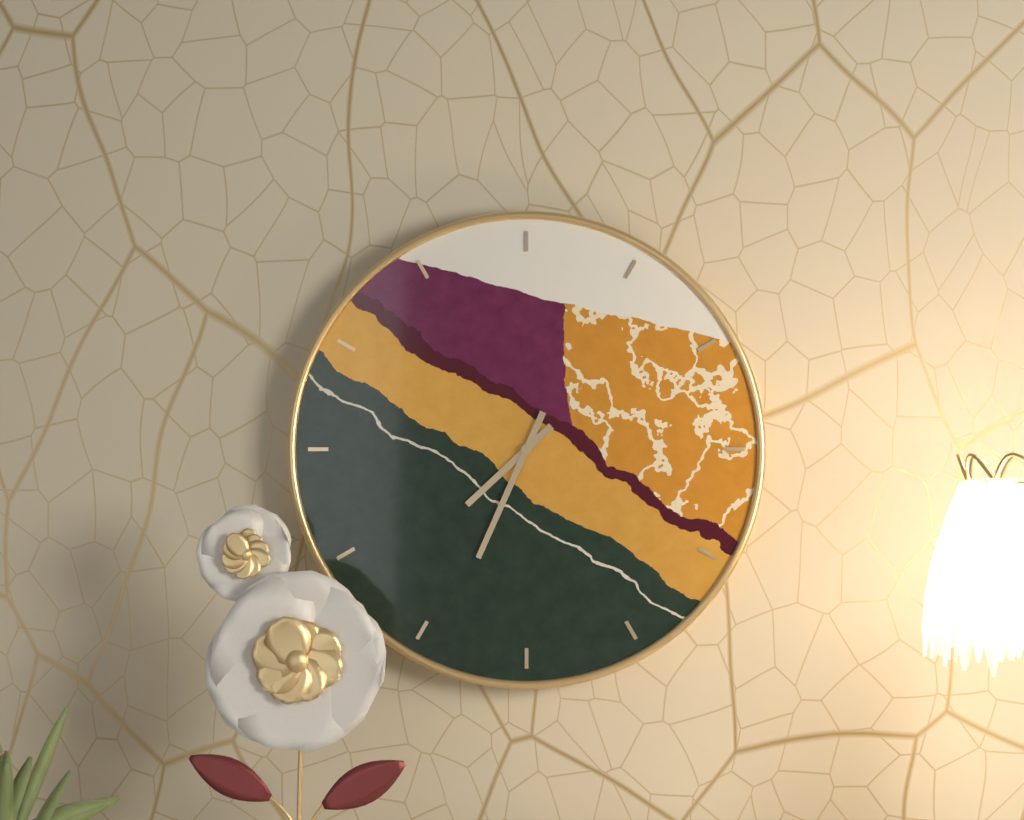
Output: h=7 m=34
